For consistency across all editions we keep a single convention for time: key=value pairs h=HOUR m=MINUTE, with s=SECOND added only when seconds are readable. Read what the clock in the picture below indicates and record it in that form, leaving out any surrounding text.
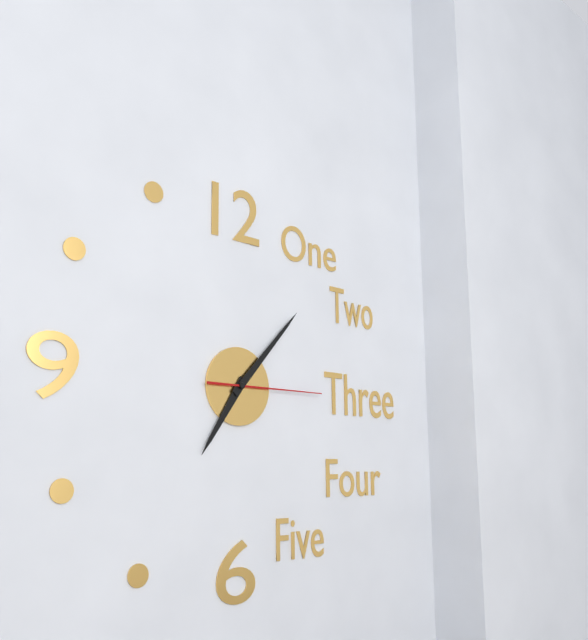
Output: h=7 m=7 s=15
